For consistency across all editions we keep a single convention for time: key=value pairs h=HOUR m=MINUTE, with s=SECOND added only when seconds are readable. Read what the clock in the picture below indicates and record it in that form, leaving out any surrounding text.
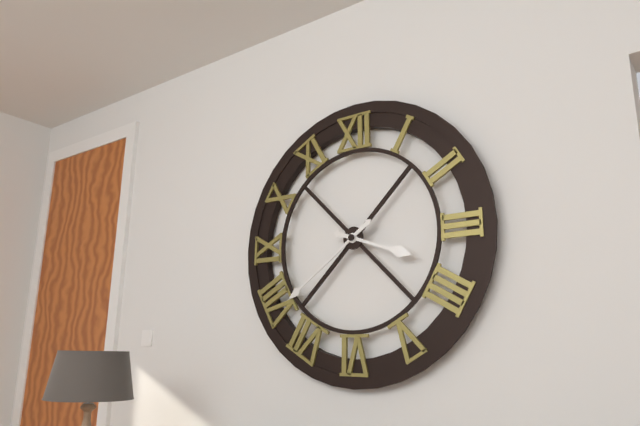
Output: h=3 m=39
